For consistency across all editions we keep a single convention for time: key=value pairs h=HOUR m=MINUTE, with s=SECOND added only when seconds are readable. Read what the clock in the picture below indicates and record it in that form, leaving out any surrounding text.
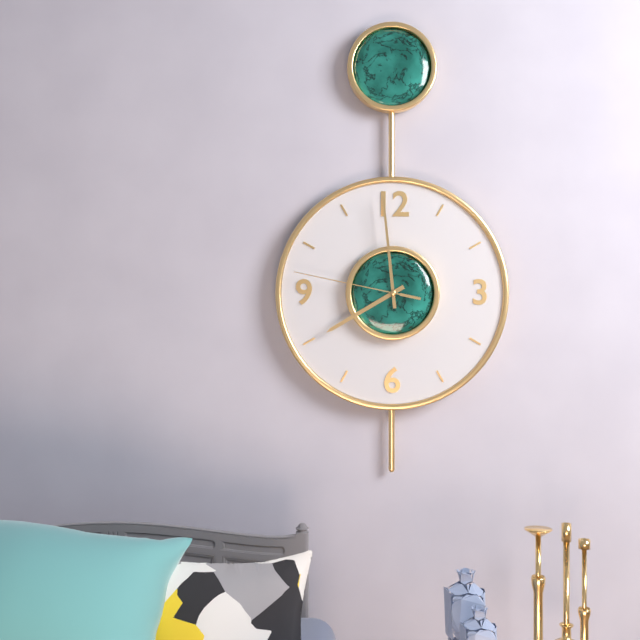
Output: h=7 m=59 s=47
